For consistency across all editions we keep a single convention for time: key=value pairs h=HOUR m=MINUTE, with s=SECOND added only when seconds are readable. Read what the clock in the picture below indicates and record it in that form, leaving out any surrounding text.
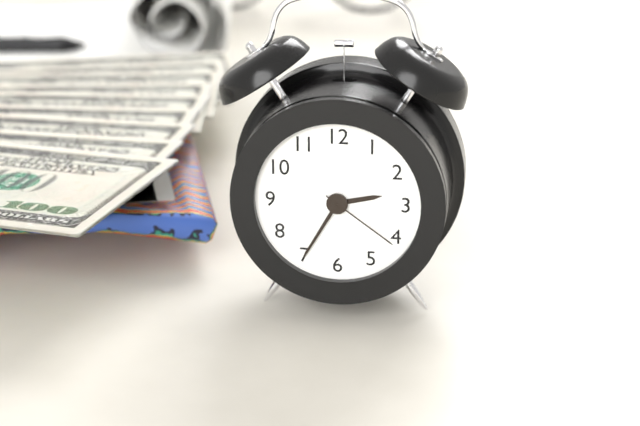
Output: h=2 m=35 s=21
